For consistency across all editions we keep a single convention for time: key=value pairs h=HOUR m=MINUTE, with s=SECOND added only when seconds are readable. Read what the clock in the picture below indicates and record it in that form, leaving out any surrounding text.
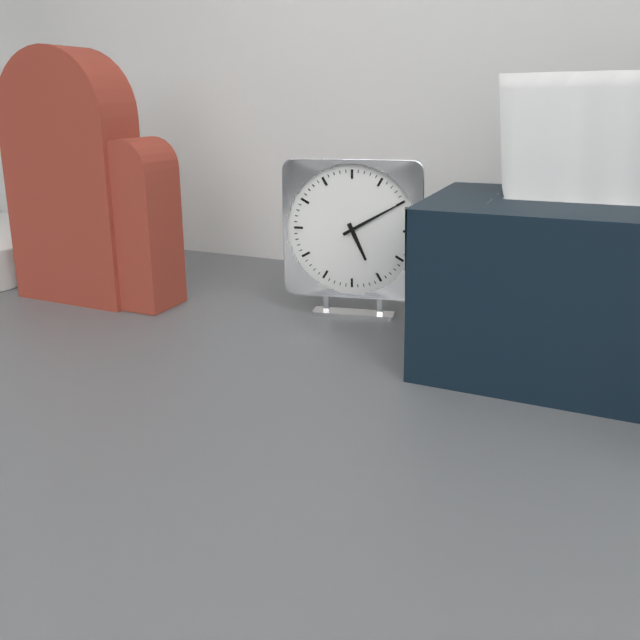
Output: h=5 m=10
